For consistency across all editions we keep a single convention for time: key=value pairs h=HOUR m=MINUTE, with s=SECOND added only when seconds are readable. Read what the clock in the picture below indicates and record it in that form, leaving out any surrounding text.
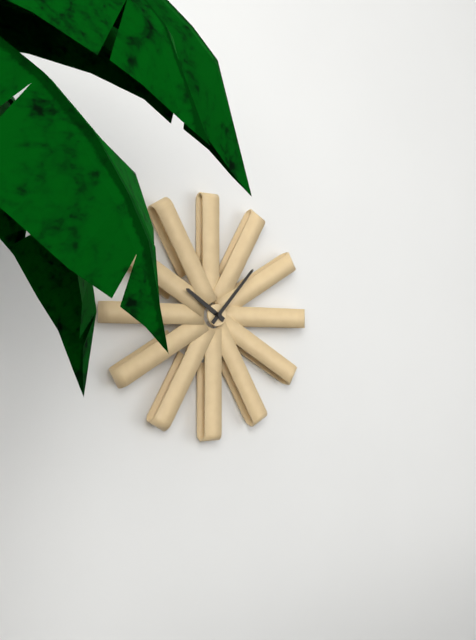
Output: h=10 m=7
